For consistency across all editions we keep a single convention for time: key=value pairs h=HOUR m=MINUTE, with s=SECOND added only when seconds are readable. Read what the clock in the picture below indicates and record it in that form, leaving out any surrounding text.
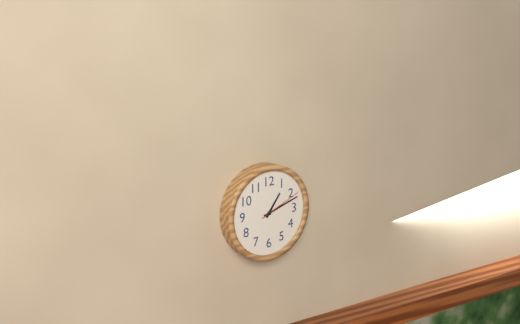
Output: h=1 m=12
